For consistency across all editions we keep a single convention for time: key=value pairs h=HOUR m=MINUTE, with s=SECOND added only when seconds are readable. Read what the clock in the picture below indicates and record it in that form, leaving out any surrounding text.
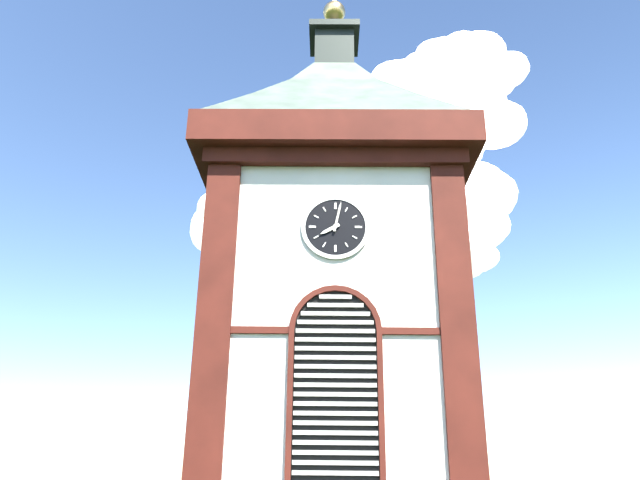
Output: h=8 m=2
